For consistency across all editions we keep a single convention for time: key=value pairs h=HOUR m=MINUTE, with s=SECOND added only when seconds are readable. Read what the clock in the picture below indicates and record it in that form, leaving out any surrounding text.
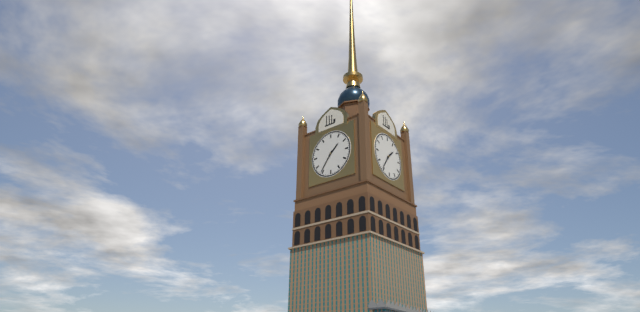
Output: h=1 m=36
